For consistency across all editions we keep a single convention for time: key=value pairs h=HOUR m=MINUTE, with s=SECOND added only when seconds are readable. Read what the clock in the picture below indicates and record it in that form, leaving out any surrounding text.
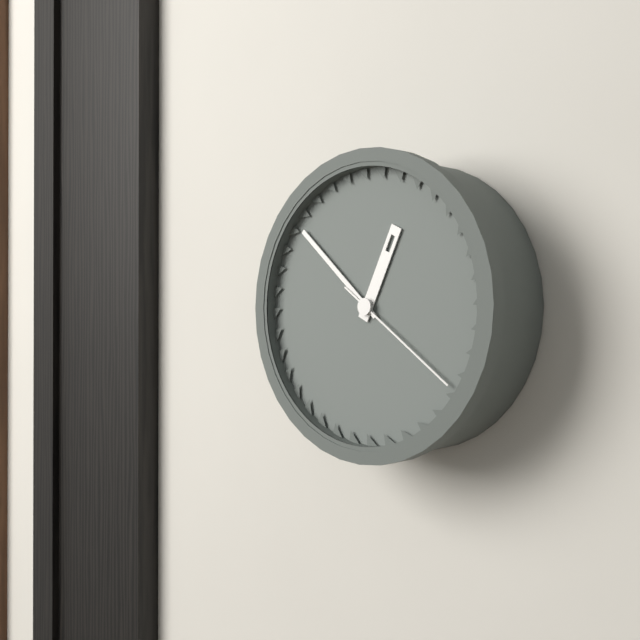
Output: h=12 m=52 s=21
